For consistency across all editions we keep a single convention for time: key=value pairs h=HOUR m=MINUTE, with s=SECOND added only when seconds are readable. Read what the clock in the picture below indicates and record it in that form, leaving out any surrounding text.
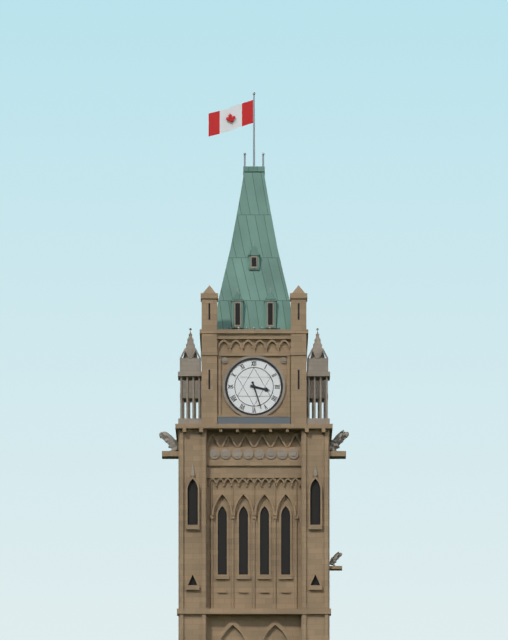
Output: h=3 m=27
